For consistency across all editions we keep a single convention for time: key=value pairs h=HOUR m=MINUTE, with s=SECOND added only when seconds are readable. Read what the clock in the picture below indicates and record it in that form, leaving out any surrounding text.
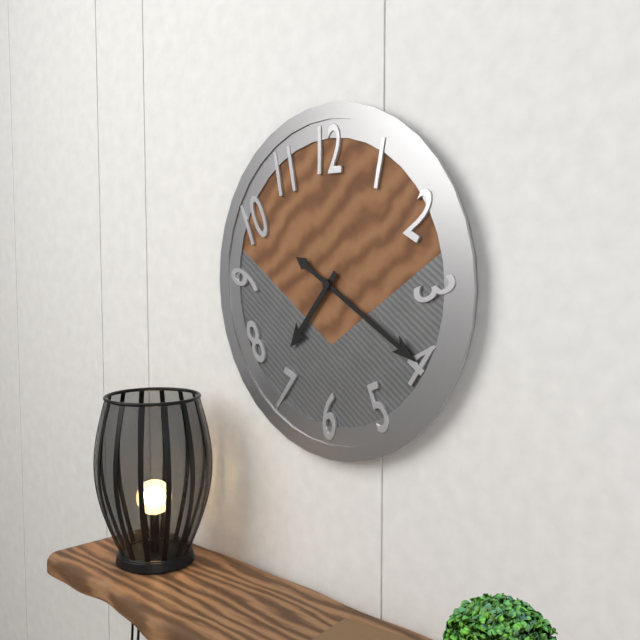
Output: h=7 m=20
